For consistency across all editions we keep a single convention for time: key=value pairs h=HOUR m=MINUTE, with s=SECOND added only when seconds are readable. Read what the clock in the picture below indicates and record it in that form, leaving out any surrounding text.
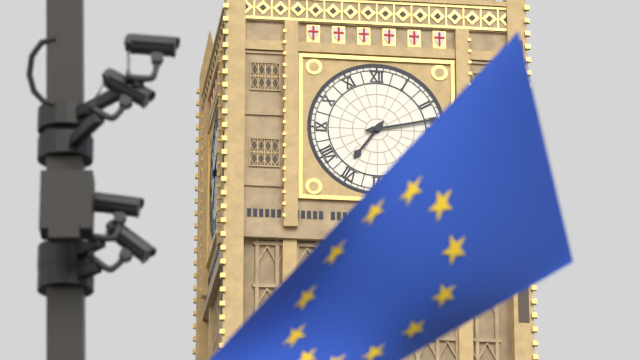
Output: h=7 m=13
